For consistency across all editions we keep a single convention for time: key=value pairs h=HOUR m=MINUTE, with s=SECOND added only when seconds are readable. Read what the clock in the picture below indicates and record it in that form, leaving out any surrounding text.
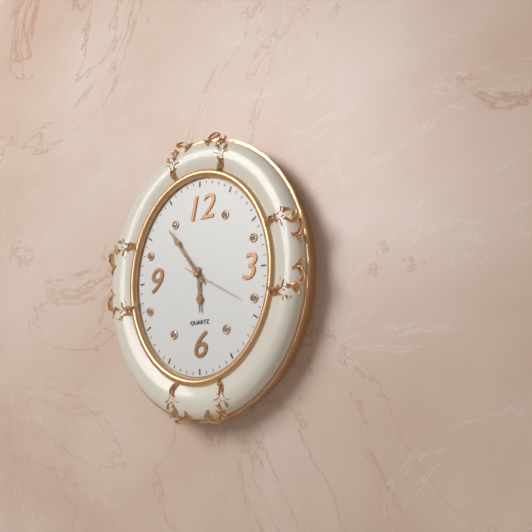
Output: h=5 m=54 s=20
